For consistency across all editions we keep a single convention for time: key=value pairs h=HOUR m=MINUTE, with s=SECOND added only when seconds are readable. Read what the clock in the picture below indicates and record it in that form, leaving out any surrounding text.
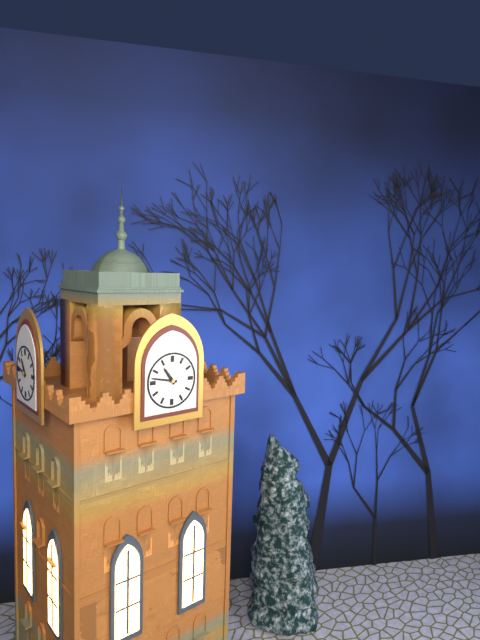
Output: h=10 m=47
